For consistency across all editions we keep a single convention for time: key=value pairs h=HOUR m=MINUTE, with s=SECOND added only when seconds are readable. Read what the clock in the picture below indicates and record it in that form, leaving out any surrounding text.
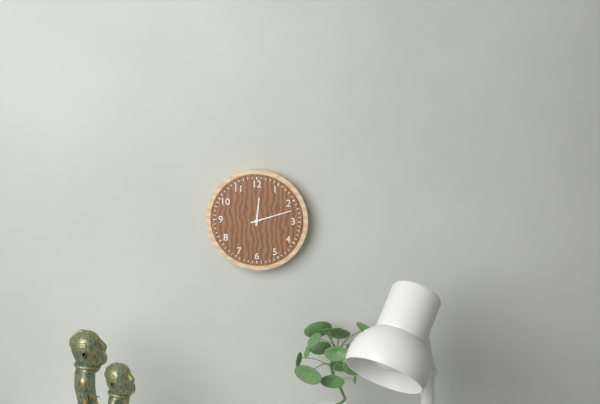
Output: h=12 m=12
